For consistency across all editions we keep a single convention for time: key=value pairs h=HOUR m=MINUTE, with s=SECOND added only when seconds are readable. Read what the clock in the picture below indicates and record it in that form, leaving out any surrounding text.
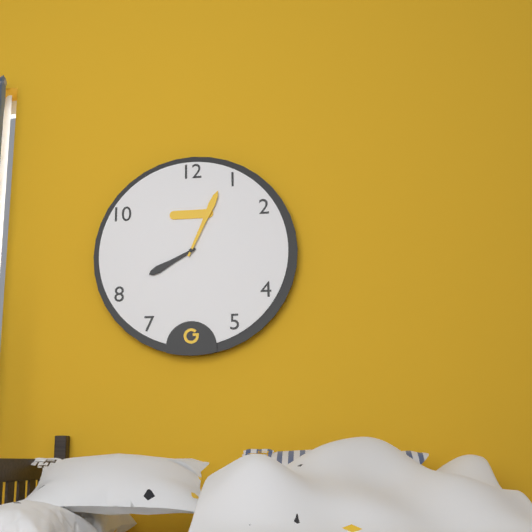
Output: h=8 m=4
